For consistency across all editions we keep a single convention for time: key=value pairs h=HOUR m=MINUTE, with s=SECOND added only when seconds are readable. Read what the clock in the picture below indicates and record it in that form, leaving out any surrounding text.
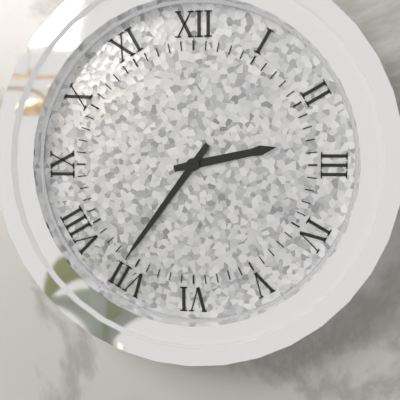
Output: h=2 m=36
